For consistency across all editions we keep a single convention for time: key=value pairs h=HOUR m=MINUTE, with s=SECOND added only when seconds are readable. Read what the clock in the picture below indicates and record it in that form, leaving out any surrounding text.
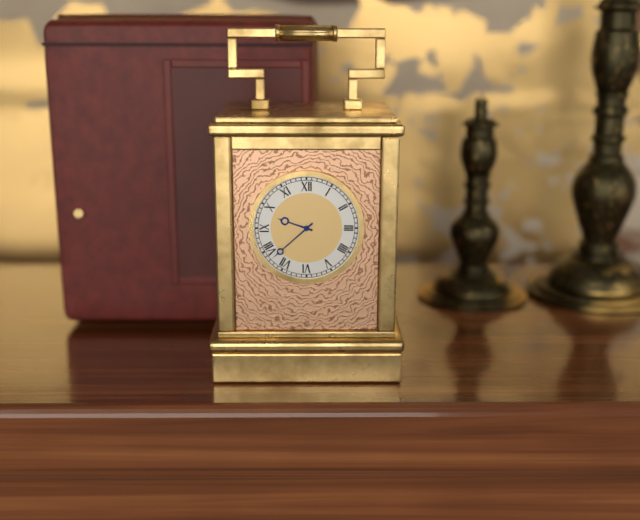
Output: h=9 m=38
